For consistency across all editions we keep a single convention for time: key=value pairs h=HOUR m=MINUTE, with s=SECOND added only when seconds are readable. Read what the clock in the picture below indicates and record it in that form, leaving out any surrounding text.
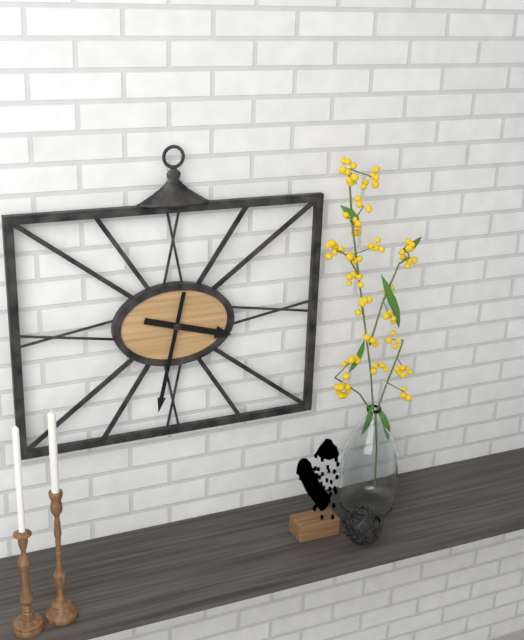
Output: h=3 m=32
